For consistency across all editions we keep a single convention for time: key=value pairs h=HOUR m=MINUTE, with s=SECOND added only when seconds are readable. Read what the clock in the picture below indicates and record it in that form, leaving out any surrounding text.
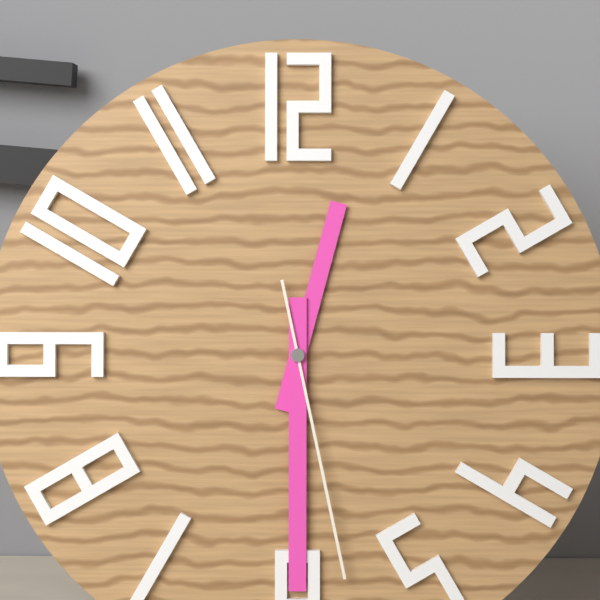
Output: h=12 m=30 s=28
